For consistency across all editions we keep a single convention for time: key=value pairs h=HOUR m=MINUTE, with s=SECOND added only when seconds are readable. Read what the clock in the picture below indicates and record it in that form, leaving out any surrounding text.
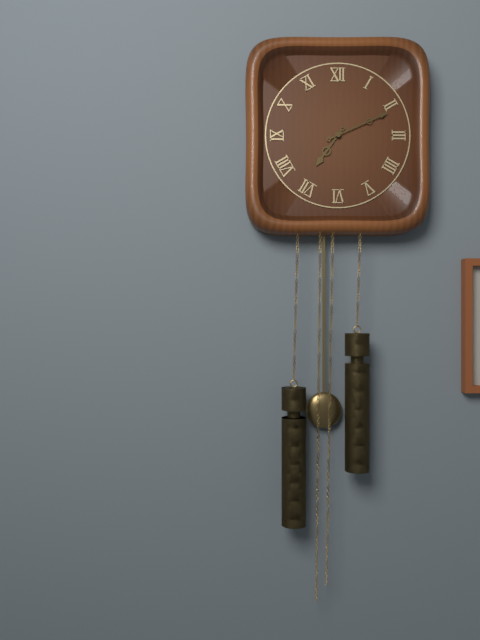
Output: h=7 m=11
